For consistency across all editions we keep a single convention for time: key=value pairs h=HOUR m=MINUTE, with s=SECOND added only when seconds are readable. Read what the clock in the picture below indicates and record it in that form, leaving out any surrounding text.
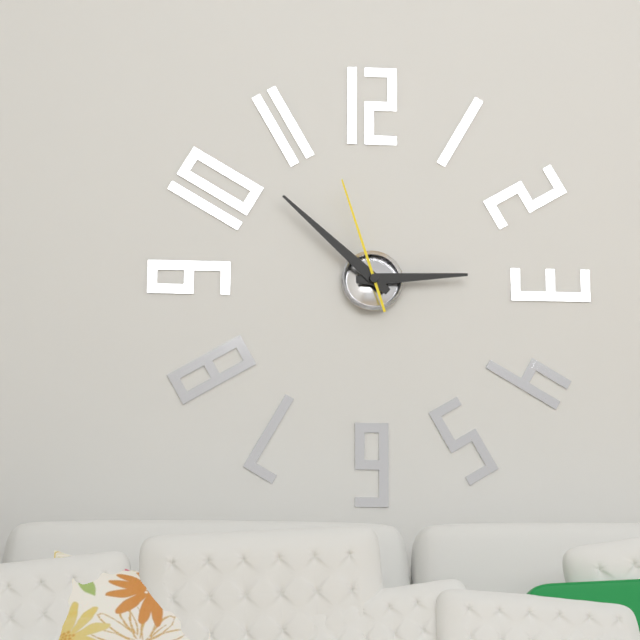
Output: h=2 m=52 s=57
